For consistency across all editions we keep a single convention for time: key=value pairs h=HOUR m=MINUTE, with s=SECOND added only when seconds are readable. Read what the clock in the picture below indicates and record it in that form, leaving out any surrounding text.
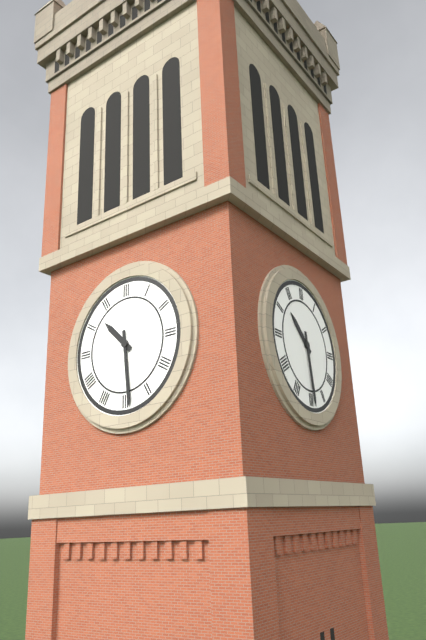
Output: h=10 m=29
